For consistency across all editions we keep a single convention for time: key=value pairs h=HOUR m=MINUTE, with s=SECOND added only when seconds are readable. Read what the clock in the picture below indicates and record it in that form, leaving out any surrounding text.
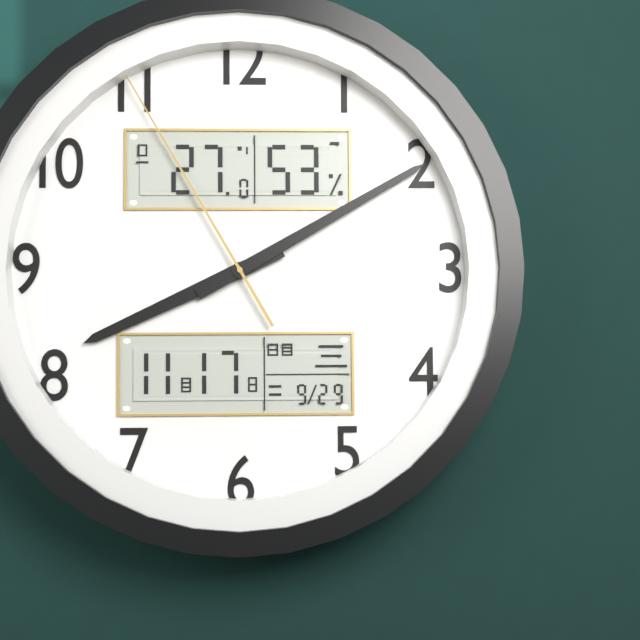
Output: h=8 m=10 s=55
